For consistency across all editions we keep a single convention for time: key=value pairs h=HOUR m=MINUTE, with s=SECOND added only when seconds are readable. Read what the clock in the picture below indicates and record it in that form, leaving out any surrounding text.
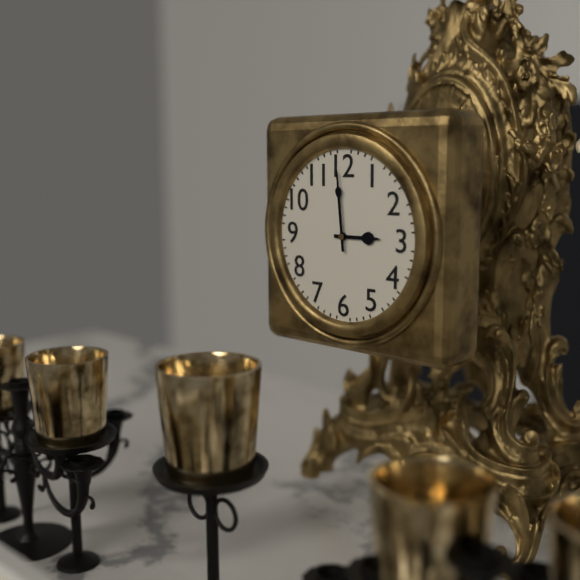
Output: h=2 m=59
